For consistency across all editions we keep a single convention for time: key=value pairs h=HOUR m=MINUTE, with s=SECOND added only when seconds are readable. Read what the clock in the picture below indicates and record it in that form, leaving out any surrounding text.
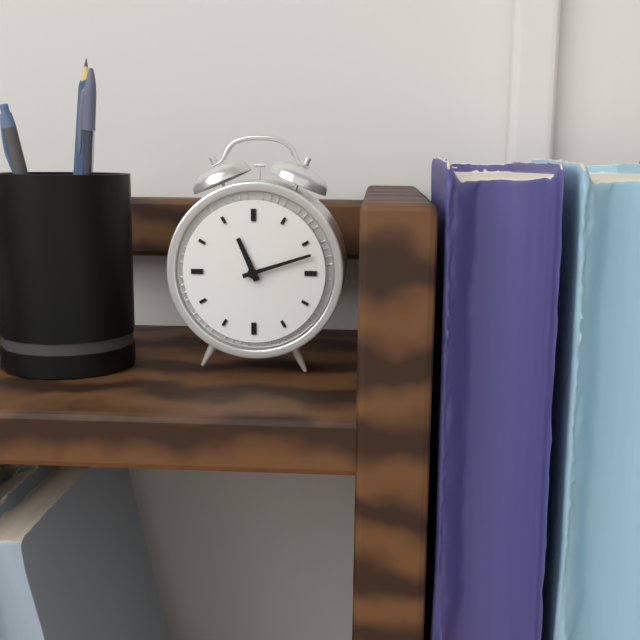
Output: h=11 m=12
